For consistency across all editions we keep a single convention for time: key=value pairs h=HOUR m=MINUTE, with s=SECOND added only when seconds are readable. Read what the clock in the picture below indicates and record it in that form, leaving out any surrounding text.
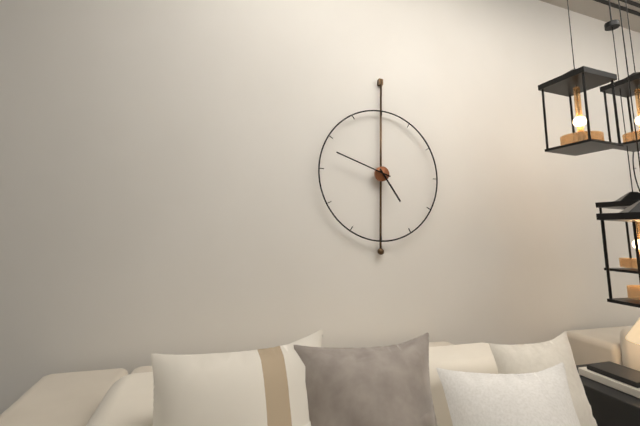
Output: h=4 m=48
